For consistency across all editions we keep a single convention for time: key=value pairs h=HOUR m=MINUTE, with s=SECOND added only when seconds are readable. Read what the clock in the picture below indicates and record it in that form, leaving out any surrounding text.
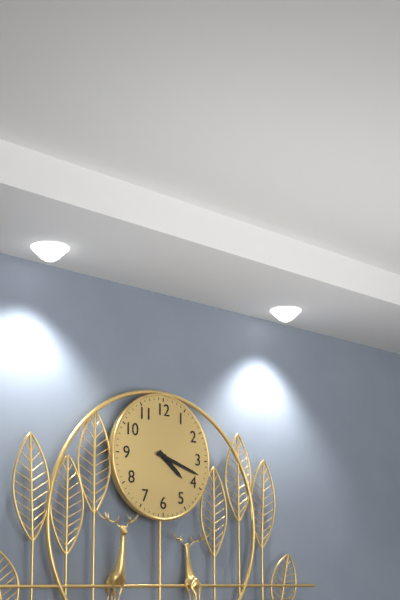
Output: h=4 m=18
